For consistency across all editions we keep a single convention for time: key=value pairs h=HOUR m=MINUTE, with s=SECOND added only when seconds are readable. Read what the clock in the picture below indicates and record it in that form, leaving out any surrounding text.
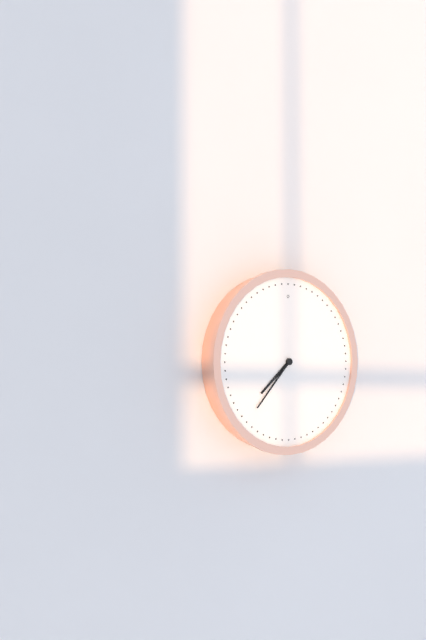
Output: h=7 m=37
